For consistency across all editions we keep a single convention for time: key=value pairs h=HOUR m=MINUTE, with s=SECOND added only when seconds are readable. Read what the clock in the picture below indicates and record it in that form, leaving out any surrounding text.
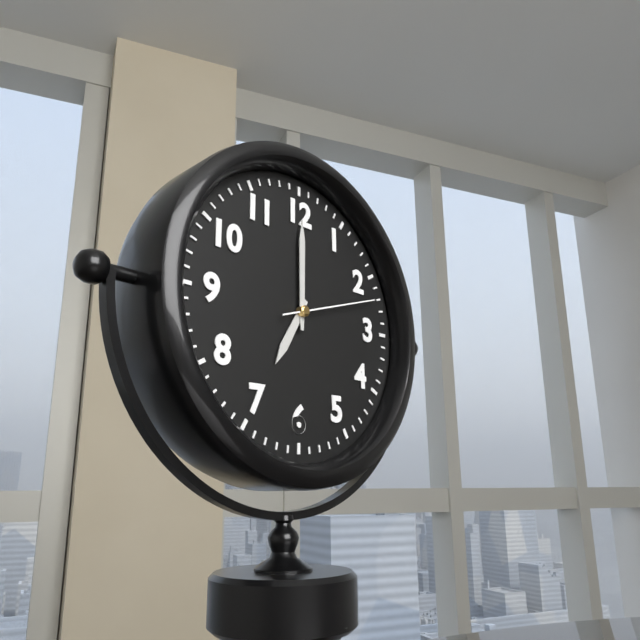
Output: h=7 m=0 s=12
